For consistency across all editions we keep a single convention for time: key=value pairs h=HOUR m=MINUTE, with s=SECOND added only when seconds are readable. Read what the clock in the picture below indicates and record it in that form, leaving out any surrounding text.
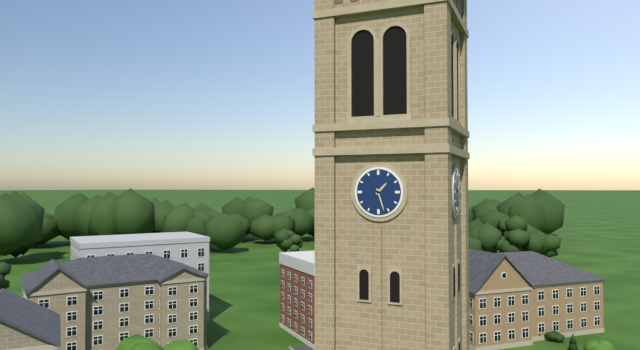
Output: h=1 m=27
